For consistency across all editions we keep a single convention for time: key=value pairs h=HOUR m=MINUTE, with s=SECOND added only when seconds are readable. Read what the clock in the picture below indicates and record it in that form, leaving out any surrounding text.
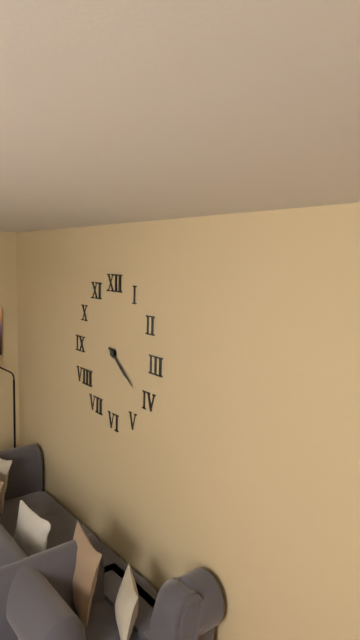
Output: h=4 m=21
